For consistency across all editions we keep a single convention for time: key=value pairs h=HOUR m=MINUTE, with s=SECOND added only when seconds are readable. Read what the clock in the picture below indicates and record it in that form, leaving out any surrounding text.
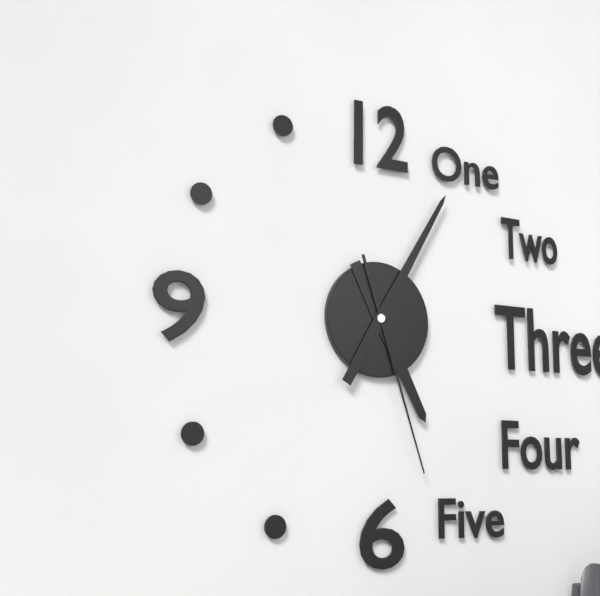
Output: h=5 m=5 s=27
